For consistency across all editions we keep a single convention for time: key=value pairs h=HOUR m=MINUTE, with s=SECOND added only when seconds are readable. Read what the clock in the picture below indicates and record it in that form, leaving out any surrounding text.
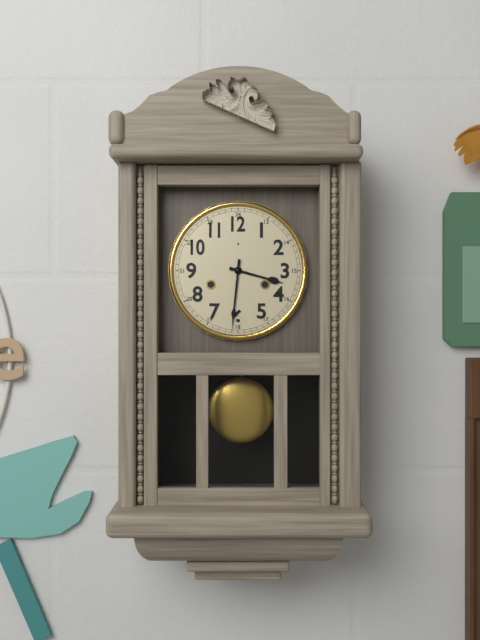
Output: h=3 m=31
